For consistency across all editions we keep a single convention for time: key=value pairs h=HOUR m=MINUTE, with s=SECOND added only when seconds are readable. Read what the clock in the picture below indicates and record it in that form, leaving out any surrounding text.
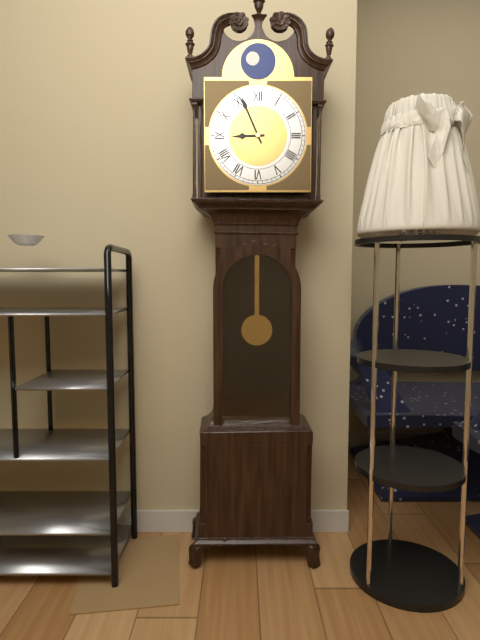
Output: h=8 m=56
